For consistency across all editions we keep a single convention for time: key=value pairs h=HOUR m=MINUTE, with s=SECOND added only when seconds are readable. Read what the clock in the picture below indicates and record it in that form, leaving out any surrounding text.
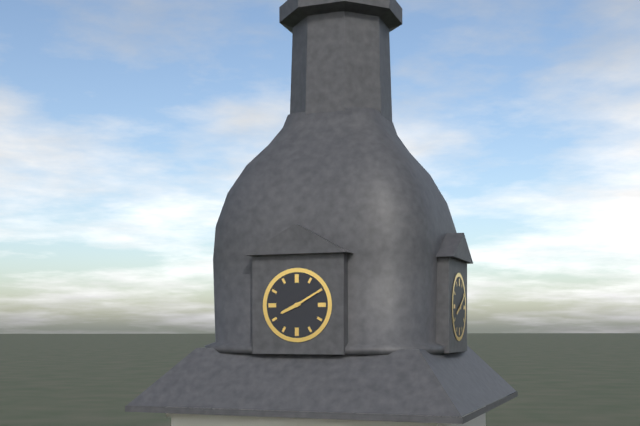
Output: h=8 m=10
